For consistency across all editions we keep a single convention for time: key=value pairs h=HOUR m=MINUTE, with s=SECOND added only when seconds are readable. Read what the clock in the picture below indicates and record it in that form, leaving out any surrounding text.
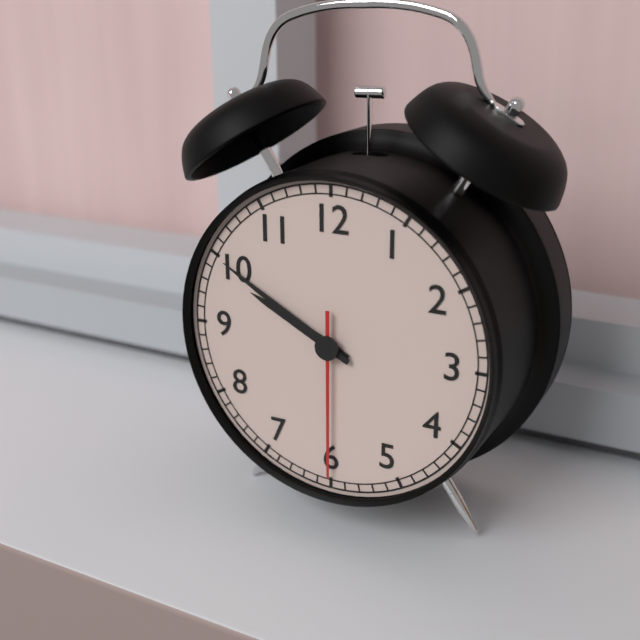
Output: h=9 m=50 s=30
